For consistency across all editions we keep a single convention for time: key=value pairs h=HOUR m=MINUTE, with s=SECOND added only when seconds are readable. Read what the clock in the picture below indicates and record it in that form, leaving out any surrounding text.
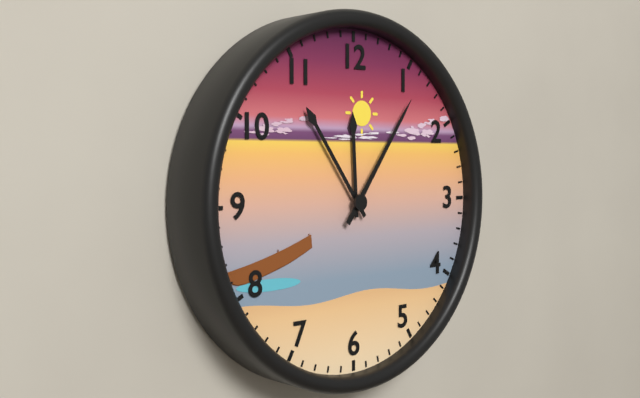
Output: h=11 m=54 s=6
